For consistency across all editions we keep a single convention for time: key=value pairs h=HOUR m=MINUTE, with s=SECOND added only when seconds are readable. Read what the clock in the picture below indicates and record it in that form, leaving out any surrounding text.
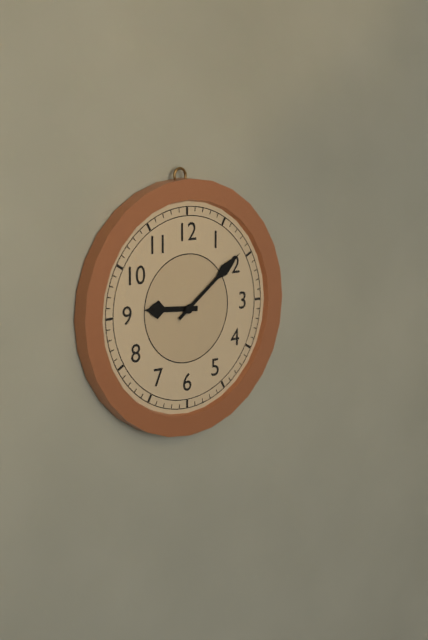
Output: h=9 m=9
